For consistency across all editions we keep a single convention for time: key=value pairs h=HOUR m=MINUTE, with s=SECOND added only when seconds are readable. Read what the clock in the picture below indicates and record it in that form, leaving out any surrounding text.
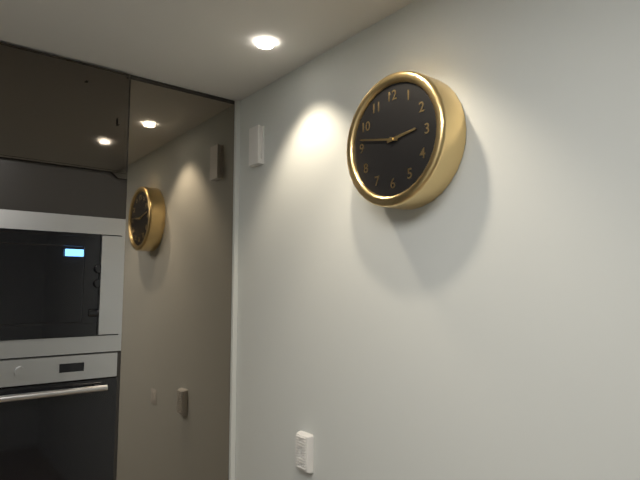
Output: h=2 m=47
